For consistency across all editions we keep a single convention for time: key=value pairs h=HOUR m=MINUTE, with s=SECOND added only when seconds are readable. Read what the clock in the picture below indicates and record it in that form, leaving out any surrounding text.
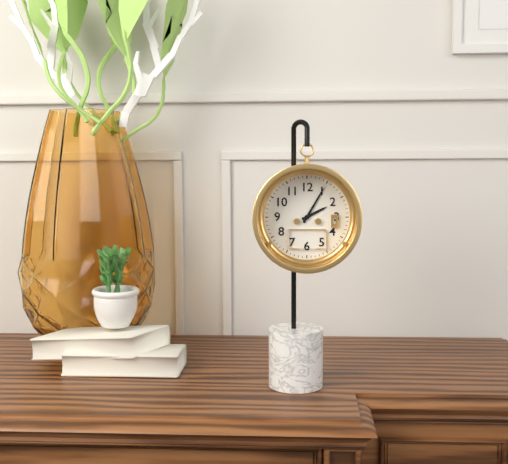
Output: h=2 m=5
